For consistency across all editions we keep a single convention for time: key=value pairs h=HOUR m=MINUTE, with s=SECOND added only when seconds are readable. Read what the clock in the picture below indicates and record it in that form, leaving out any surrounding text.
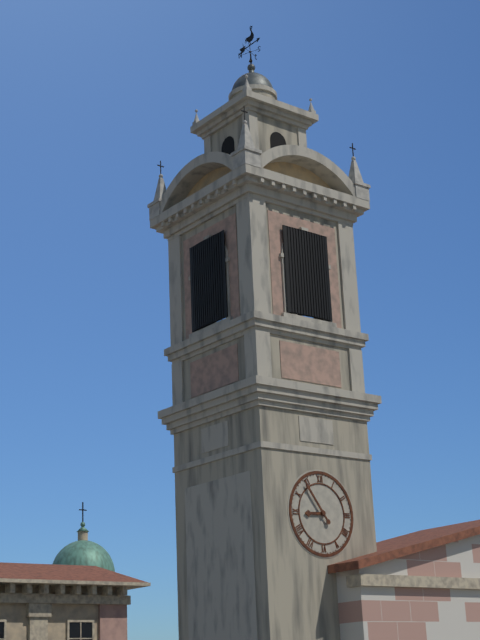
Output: h=8 m=54
